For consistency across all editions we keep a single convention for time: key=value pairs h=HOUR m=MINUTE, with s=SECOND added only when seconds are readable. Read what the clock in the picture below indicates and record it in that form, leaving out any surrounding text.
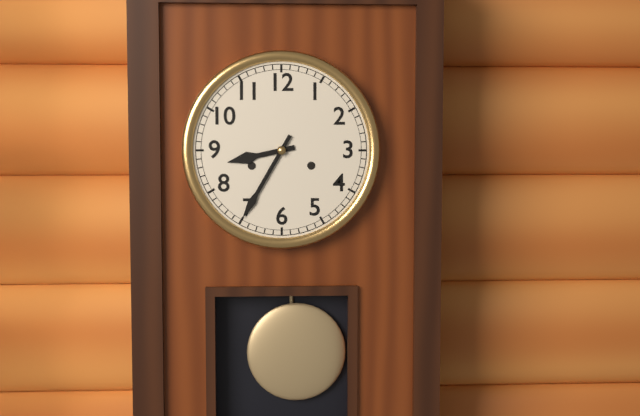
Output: h=8 m=35
